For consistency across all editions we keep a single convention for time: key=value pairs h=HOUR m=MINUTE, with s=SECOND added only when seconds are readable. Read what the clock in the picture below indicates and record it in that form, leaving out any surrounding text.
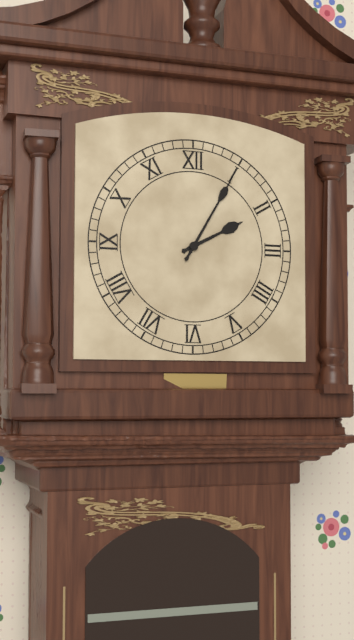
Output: h=2 m=5
